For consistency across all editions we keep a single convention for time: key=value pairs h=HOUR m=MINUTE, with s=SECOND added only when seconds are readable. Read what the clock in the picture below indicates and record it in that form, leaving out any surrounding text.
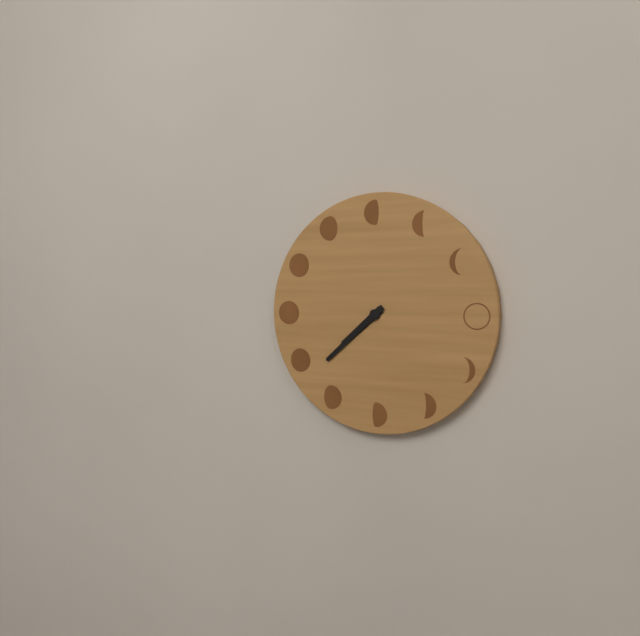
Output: h=7 m=38
